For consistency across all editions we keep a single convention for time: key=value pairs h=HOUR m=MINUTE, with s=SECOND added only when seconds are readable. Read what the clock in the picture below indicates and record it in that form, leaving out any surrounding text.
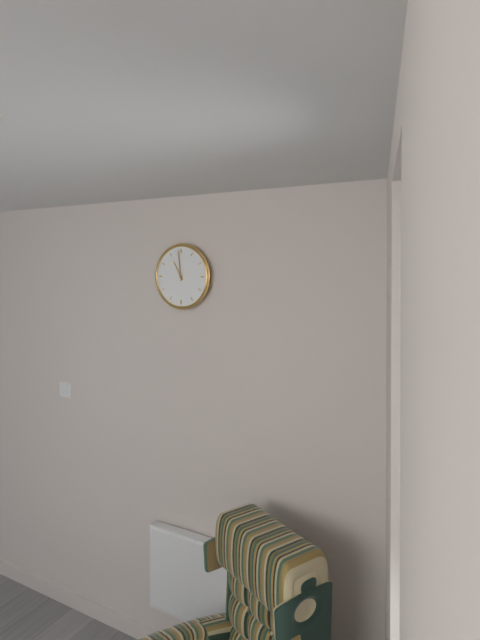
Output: h=10 m=59
